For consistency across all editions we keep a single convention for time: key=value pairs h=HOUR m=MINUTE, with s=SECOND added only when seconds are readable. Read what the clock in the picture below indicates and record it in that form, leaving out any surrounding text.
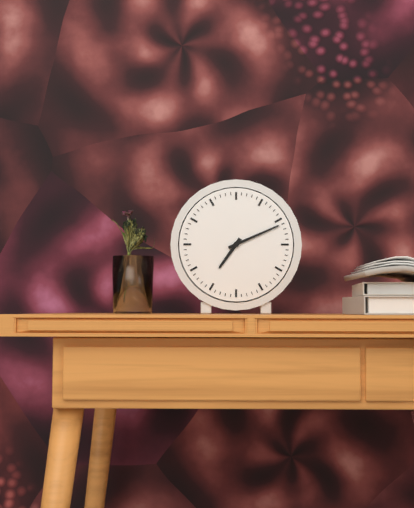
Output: h=7 m=11
